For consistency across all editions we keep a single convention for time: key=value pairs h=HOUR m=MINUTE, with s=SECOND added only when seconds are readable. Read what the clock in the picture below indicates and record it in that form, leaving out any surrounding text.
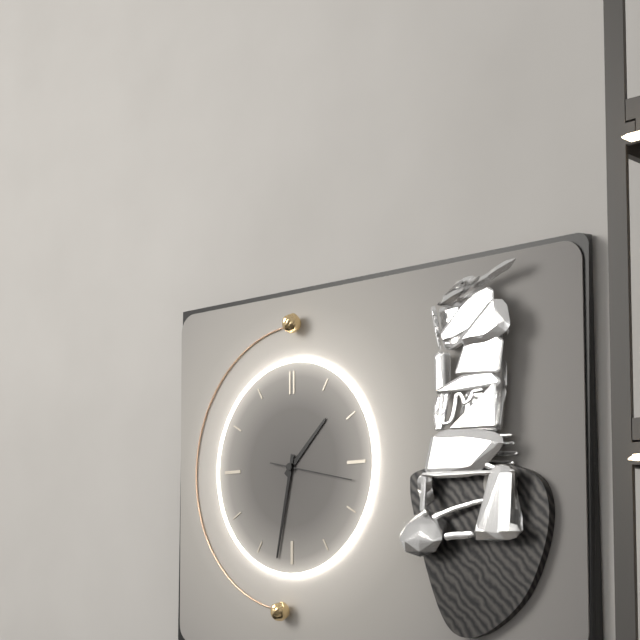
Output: h=1 m=32 s=17
